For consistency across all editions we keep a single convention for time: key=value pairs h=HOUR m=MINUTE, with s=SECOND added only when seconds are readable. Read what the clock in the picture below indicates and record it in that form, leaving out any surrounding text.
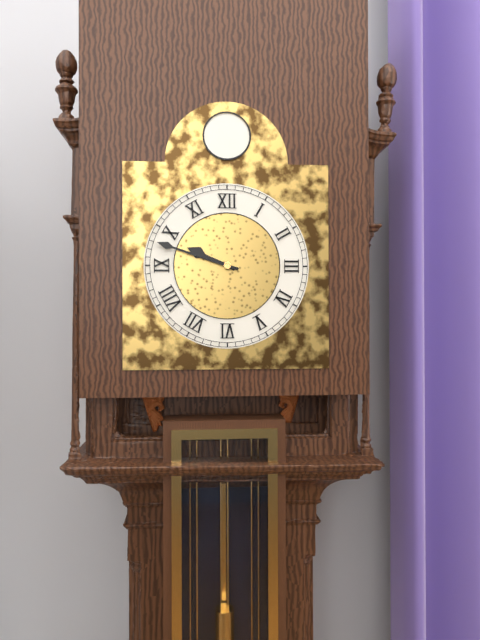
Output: h=9 m=48
